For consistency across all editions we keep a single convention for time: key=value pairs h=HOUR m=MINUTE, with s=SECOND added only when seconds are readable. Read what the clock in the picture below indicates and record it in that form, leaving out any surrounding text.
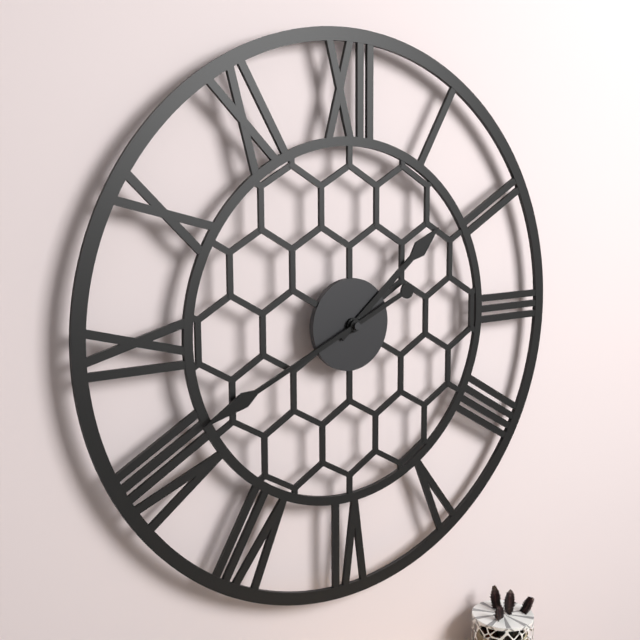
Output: h=1 m=41
